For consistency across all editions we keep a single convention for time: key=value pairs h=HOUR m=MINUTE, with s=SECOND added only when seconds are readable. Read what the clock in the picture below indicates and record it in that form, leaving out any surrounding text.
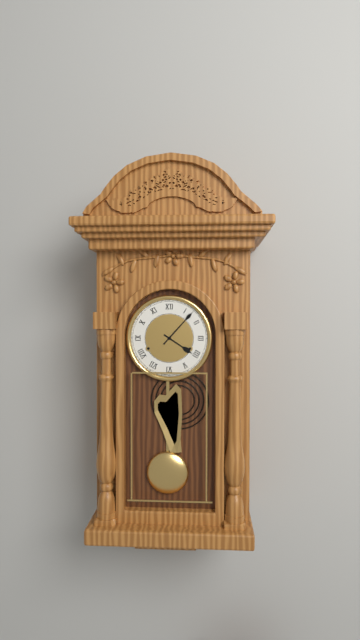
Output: h=4 m=7
